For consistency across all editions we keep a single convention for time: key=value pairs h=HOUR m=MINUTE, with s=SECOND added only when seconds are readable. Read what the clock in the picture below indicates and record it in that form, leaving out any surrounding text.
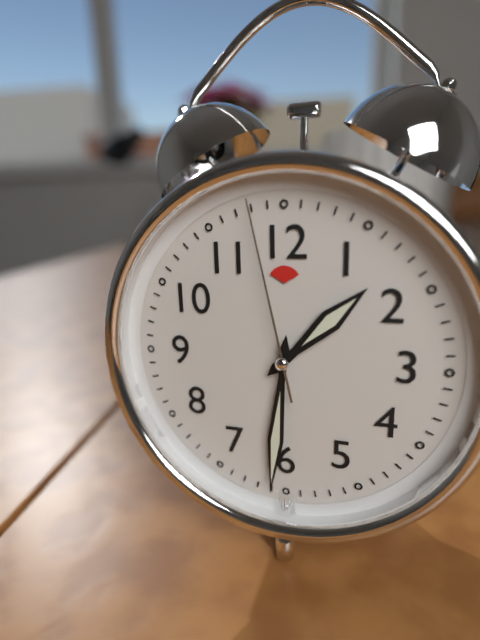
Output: h=1 m=31 s=58
